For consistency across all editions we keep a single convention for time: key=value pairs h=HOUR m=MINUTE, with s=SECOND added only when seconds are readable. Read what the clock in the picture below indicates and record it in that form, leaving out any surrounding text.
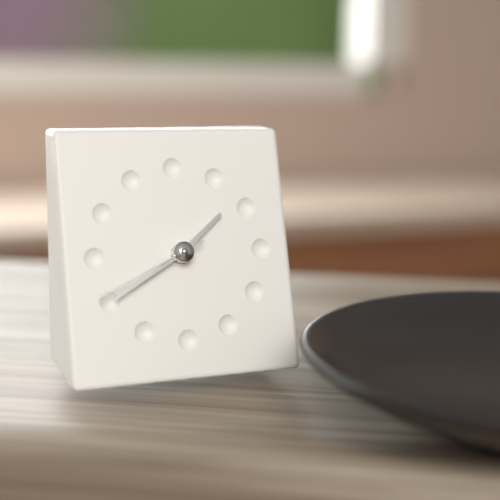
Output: h=1 m=40 s=41
